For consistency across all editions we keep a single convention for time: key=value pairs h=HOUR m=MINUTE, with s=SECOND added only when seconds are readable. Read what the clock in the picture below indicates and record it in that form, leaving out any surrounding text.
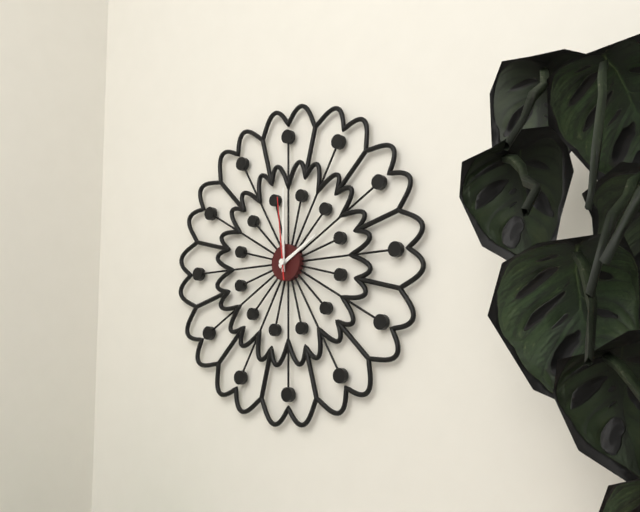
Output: h=2 m=0 s=59
